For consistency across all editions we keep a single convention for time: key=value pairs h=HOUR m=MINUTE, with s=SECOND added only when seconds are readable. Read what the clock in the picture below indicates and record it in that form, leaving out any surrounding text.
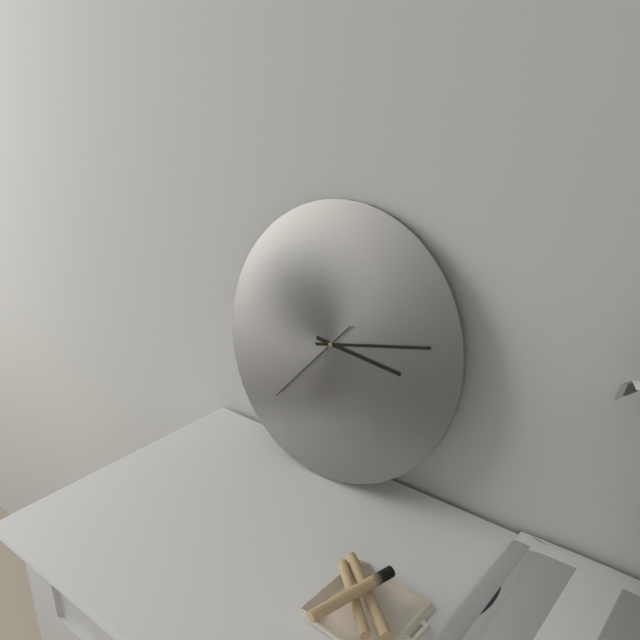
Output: h=3 m=13 s=37
